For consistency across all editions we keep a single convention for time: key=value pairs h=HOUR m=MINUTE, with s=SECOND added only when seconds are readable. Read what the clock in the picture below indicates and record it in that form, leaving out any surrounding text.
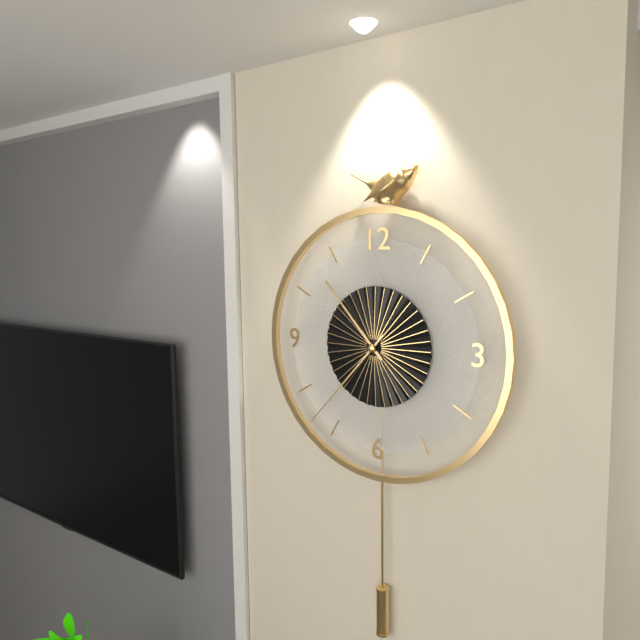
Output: h=10 m=37
